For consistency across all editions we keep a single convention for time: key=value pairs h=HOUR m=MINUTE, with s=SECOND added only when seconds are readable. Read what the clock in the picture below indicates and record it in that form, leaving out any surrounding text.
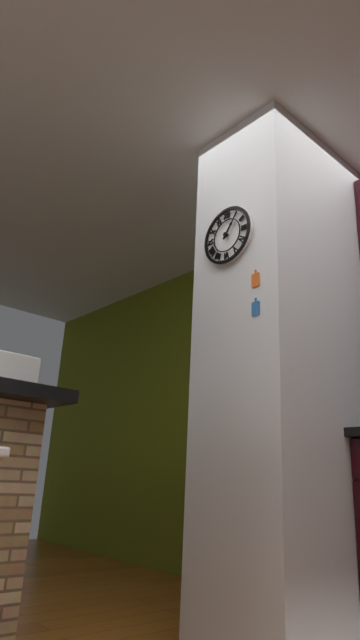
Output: h=1 m=6
